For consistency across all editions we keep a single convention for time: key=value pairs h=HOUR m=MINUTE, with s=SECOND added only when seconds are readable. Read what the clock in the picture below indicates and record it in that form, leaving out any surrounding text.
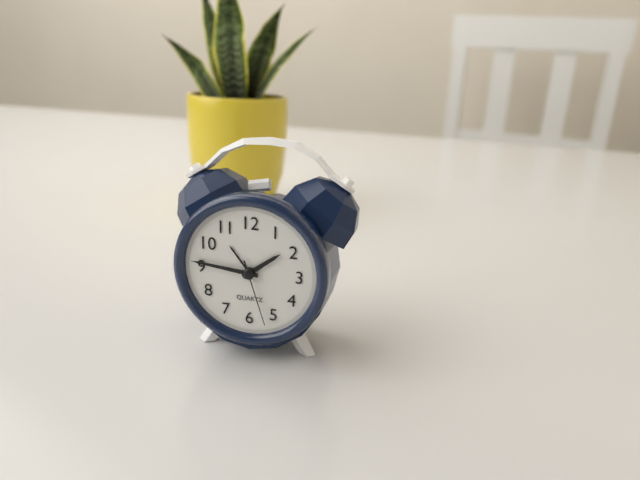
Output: h=1 m=46 s=27
